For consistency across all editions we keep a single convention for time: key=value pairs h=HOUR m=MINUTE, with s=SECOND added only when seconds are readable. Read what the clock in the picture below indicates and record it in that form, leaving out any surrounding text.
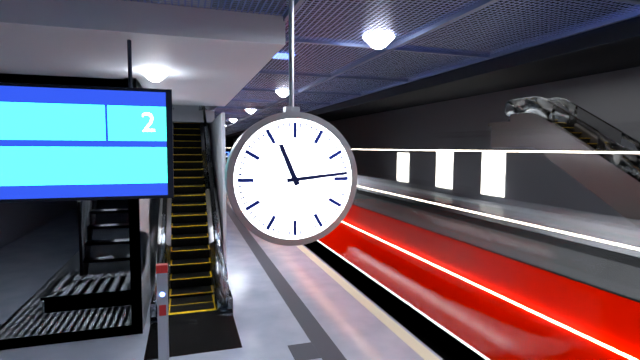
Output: h=11 m=14
